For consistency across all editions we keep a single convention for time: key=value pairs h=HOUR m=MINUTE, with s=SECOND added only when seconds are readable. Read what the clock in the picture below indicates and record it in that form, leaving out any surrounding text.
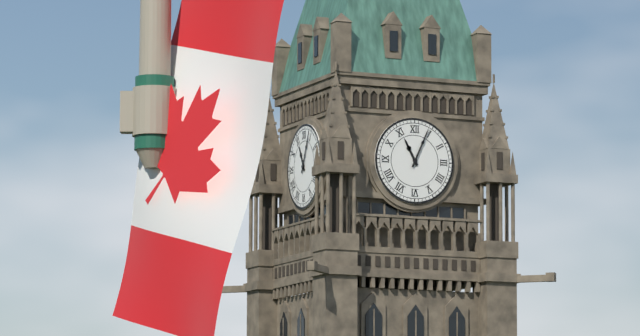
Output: h=11 m=4
